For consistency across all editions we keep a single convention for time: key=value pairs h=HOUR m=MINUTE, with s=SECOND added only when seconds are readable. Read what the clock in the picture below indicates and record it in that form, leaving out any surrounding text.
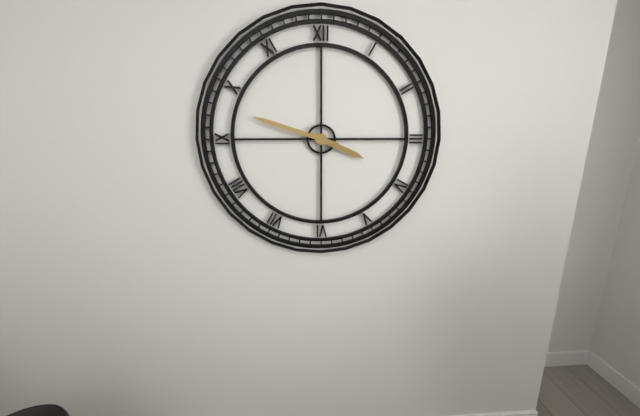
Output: h=3 m=48
